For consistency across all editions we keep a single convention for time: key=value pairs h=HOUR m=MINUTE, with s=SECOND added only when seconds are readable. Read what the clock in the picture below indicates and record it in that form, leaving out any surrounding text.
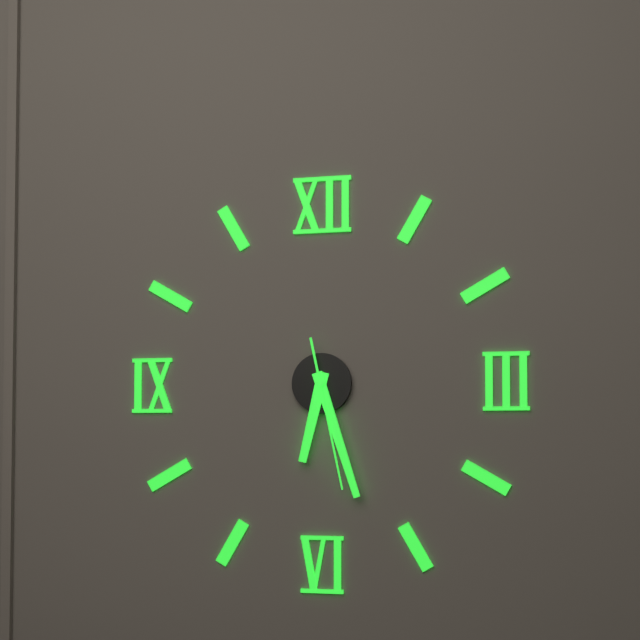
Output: h=6 m=27 s=28
